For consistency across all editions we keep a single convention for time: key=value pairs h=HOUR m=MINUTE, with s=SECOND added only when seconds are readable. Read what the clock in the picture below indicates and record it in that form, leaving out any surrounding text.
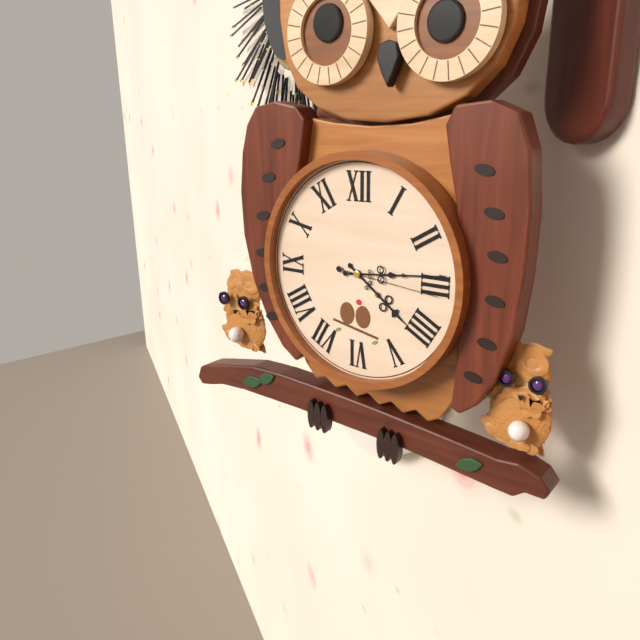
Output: h=4 m=14 s=16
